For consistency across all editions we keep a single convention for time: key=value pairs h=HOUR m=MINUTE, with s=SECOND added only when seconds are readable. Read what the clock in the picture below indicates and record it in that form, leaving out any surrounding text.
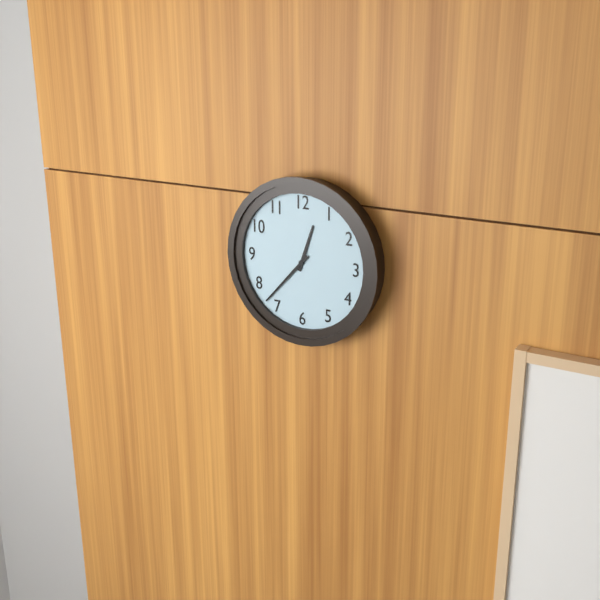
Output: h=12 m=37
